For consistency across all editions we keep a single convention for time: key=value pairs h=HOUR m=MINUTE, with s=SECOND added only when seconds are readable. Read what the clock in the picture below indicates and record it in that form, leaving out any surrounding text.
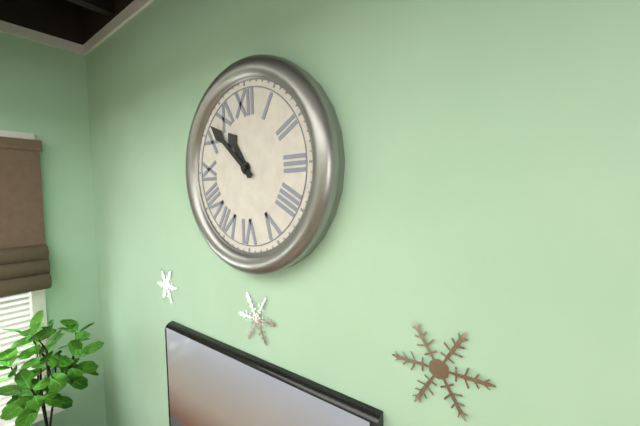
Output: h=10 m=52
